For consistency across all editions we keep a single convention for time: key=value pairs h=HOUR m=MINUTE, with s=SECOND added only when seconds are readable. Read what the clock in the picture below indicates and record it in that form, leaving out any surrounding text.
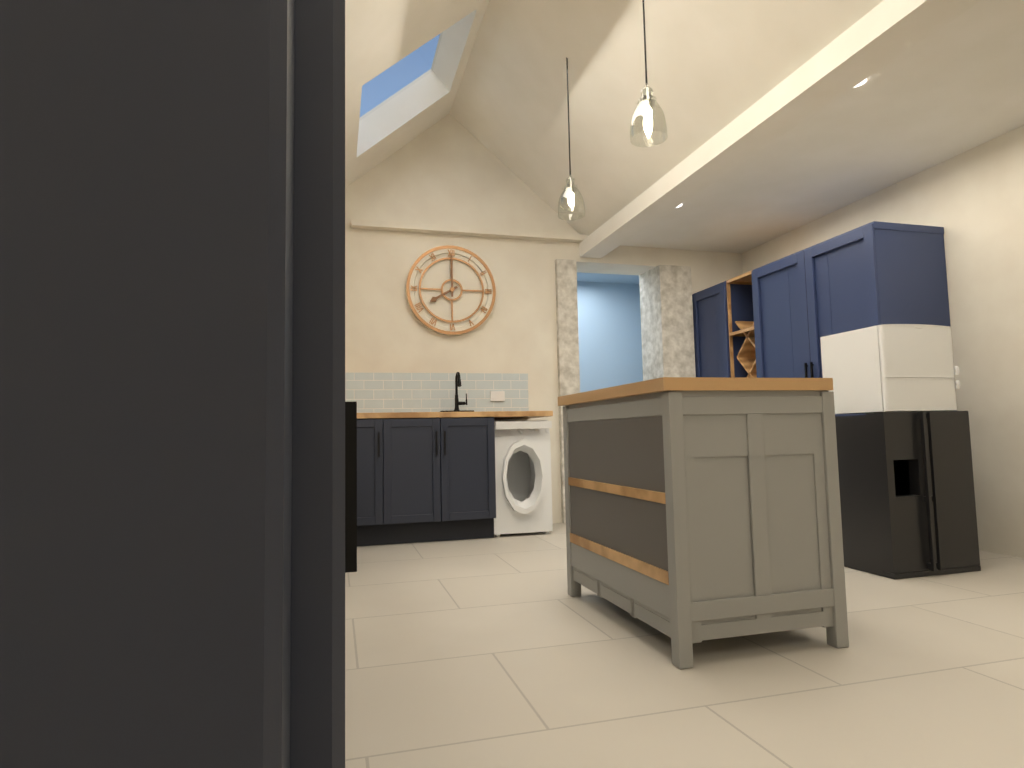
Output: h=8 m=0
